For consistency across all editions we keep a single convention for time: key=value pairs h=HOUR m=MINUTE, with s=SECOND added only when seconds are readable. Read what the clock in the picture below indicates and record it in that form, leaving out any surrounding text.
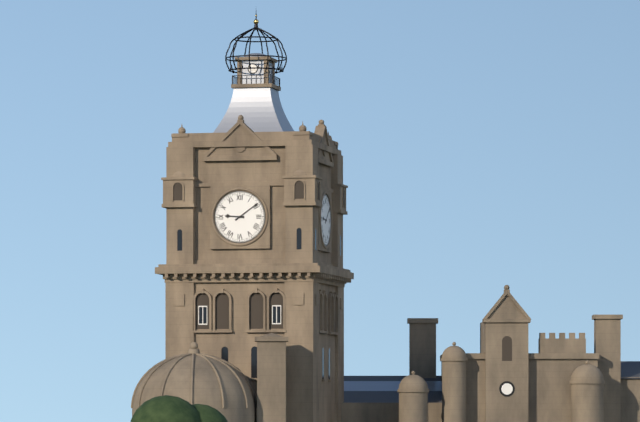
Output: h=9 m=9
